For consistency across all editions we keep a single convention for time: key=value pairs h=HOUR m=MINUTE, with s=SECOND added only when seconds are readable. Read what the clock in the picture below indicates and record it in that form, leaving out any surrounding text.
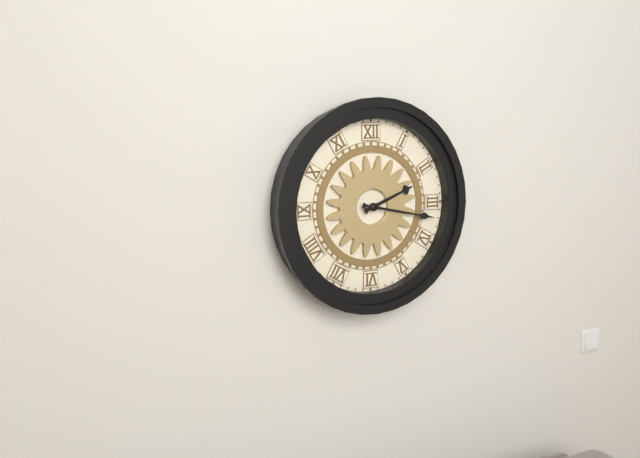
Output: h=2 m=17
